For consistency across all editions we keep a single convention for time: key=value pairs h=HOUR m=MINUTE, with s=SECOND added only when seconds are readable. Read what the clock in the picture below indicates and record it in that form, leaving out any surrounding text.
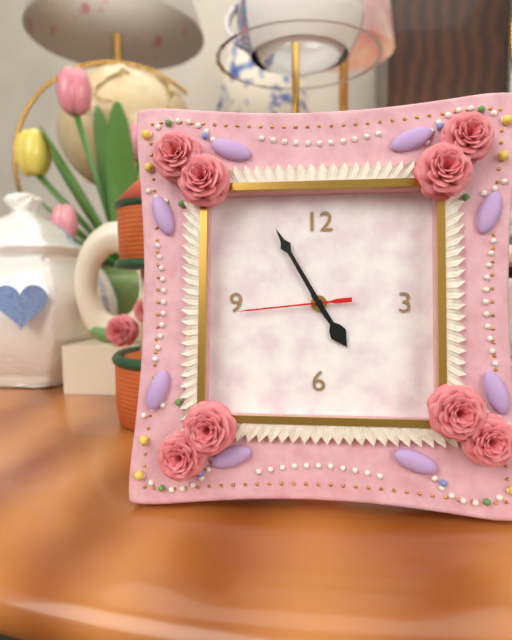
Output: h=4 m=55 s=44
